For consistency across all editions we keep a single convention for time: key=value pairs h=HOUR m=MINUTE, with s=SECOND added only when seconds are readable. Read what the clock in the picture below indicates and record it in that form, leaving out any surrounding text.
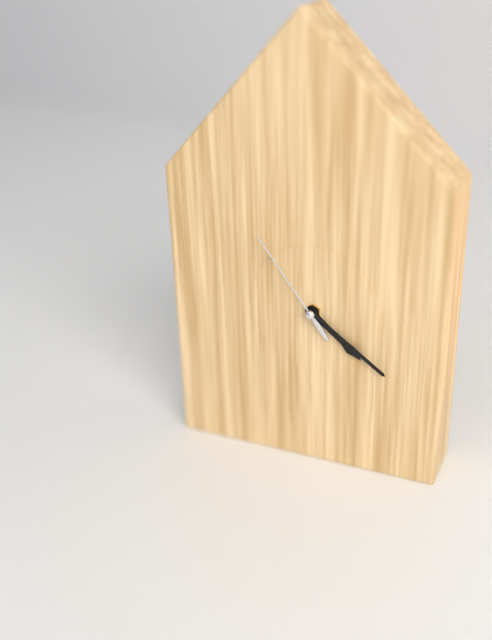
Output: h=4 m=21 s=54
